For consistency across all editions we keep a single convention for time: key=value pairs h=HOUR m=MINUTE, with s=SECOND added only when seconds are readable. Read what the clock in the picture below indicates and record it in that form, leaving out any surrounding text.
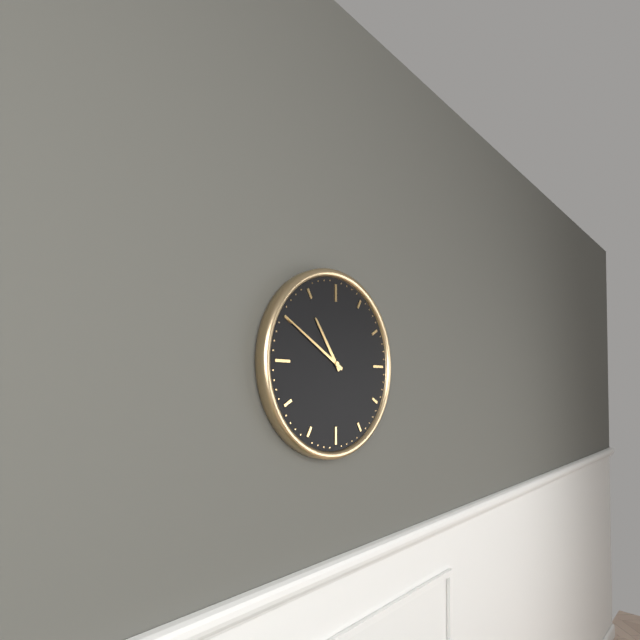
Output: h=10 m=50
